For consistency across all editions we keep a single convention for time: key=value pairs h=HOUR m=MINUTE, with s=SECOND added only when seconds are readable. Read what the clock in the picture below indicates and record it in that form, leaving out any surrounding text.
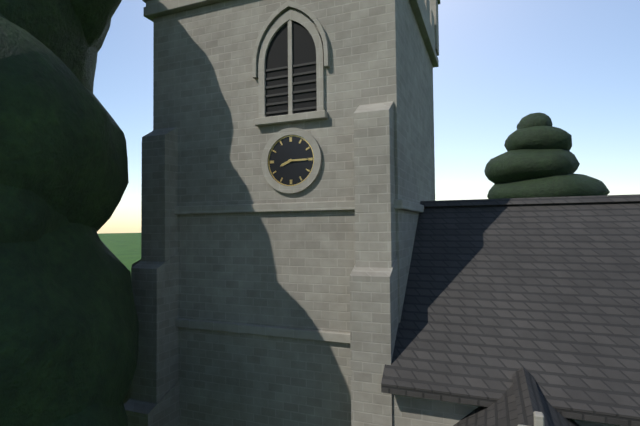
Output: h=8 m=15
